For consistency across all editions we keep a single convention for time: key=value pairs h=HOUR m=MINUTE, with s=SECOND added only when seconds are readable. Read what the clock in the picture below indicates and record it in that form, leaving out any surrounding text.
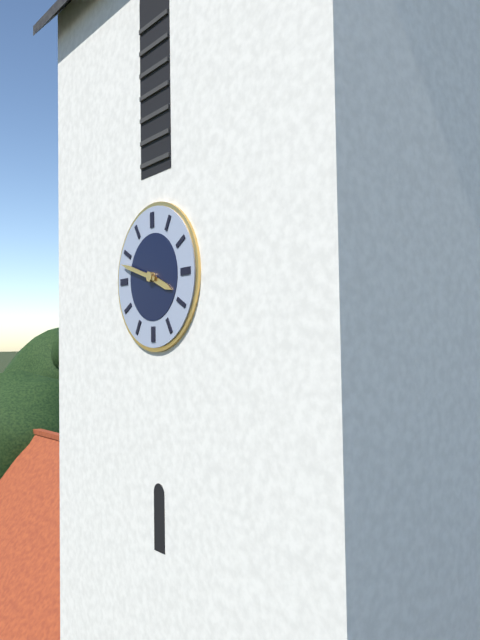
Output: h=3 m=48
